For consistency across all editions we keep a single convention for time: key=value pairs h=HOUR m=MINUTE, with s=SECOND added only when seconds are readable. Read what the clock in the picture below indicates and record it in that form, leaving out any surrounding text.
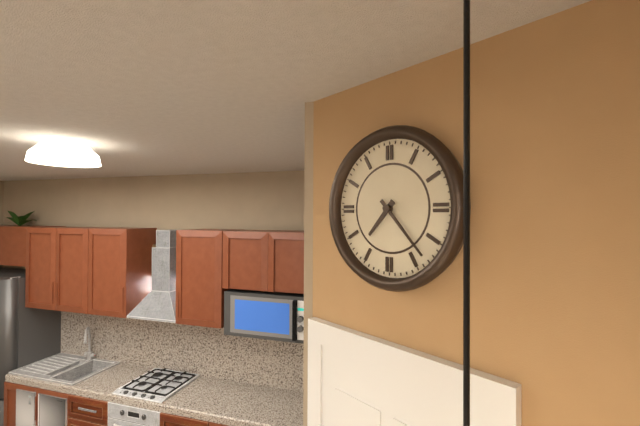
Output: h=7 m=23
